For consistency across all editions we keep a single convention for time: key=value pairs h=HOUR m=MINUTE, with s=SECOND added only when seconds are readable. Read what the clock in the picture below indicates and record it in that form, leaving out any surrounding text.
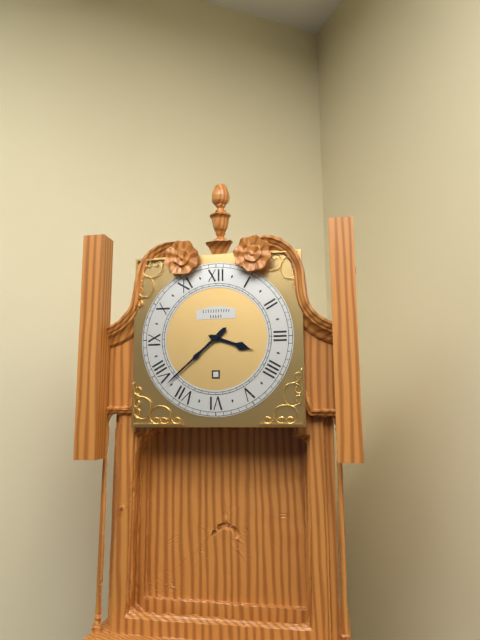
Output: h=3 m=38
